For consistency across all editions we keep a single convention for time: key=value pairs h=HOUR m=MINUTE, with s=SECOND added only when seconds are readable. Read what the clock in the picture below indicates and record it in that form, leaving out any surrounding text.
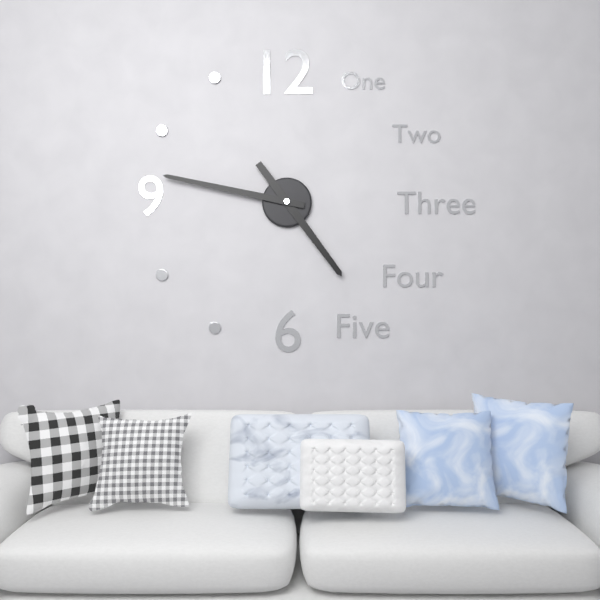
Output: h=4 m=47
